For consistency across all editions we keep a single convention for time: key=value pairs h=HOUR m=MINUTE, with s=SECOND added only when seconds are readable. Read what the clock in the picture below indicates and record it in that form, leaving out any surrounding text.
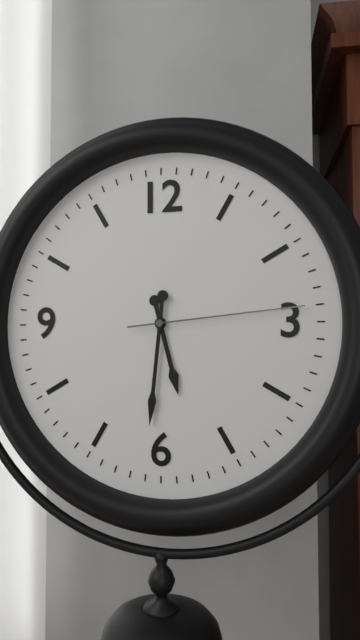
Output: h=5 m=31 s=14
